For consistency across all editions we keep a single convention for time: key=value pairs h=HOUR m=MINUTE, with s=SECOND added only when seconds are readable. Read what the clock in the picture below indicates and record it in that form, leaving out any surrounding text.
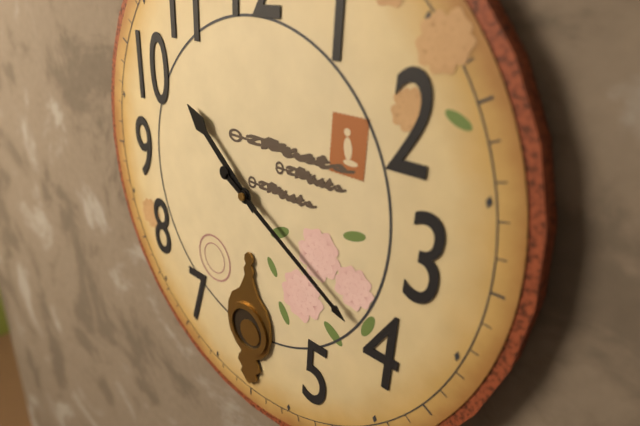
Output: h=10 m=20
